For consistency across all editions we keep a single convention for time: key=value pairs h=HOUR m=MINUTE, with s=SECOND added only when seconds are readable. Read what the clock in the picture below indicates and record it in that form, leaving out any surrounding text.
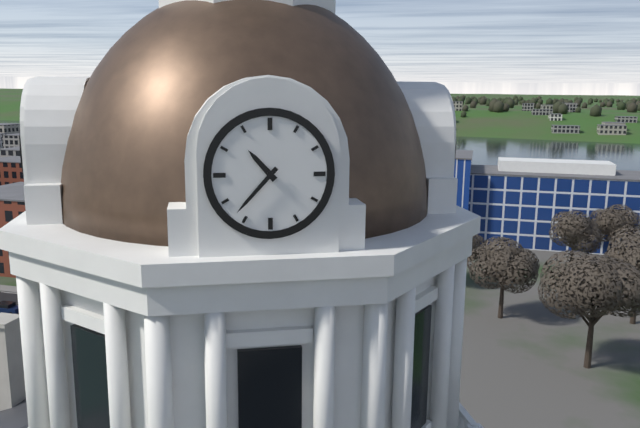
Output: h=10 m=37
